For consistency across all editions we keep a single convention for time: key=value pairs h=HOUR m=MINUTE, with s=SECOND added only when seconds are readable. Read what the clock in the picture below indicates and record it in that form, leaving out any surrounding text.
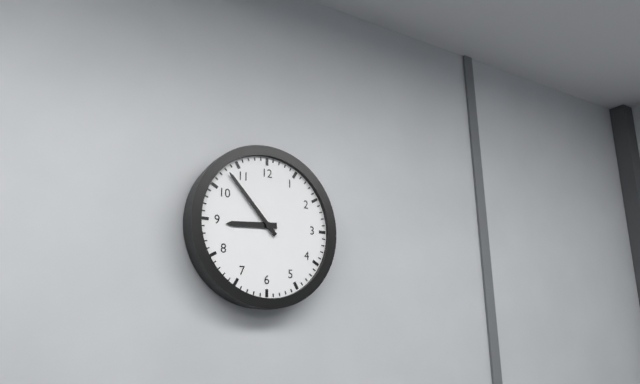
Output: h=8 m=53
